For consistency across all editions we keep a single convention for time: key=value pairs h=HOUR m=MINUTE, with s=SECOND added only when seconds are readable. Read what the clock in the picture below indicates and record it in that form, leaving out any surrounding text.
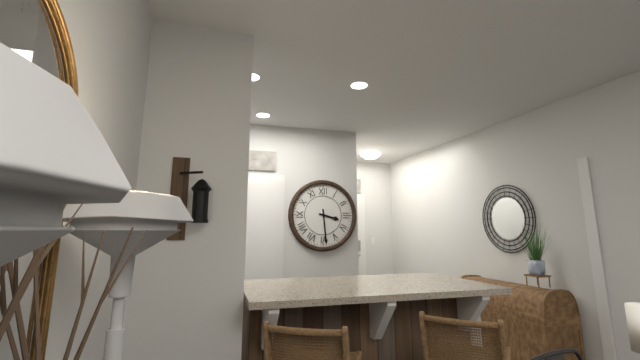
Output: h=3 m=29
